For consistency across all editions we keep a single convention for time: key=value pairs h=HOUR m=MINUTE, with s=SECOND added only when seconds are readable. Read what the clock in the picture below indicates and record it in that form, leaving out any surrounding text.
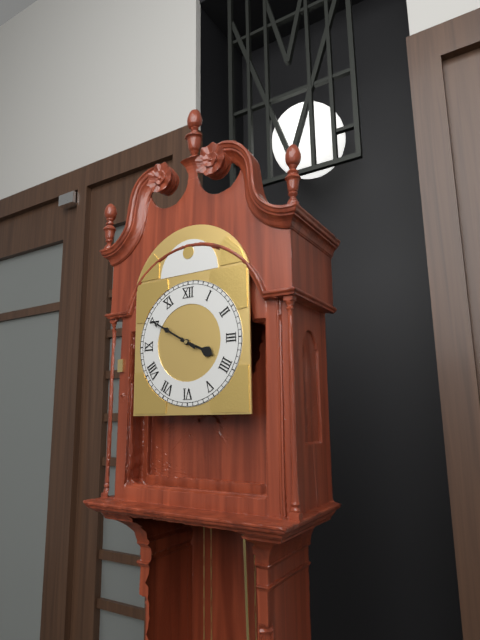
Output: h=3 m=50
